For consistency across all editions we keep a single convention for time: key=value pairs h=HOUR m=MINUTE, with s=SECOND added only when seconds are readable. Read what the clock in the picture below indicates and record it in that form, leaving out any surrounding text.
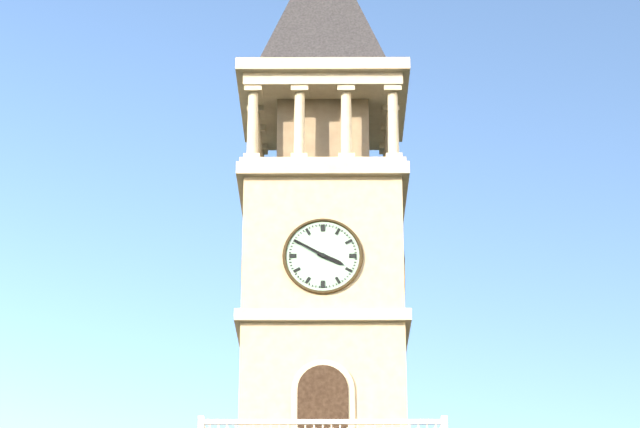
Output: h=3 m=50
